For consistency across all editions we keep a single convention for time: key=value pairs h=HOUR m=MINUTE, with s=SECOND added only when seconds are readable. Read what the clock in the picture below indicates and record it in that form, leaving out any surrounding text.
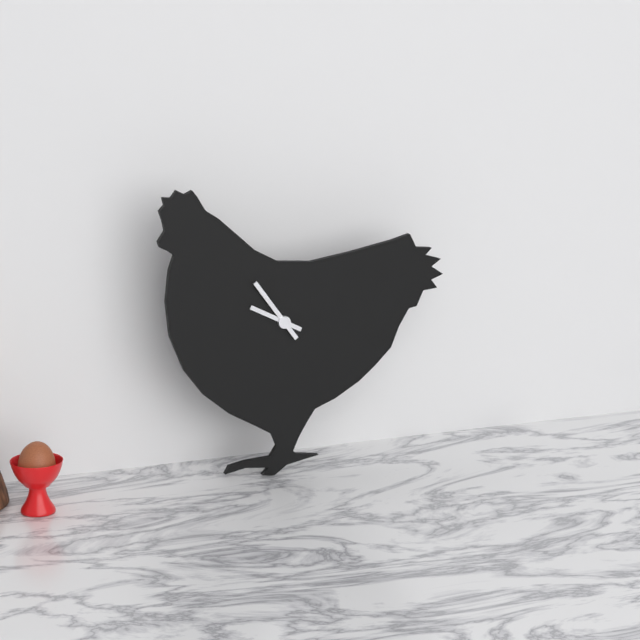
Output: h=9 m=54
